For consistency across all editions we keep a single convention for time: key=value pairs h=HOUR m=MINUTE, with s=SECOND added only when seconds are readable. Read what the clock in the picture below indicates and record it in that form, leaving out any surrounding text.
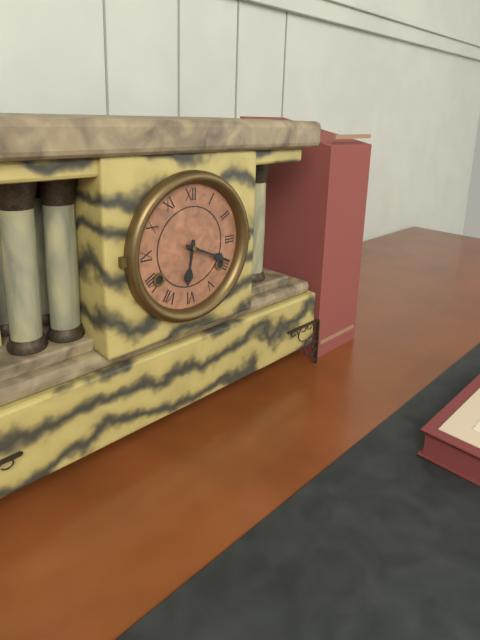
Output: h=6 m=19
